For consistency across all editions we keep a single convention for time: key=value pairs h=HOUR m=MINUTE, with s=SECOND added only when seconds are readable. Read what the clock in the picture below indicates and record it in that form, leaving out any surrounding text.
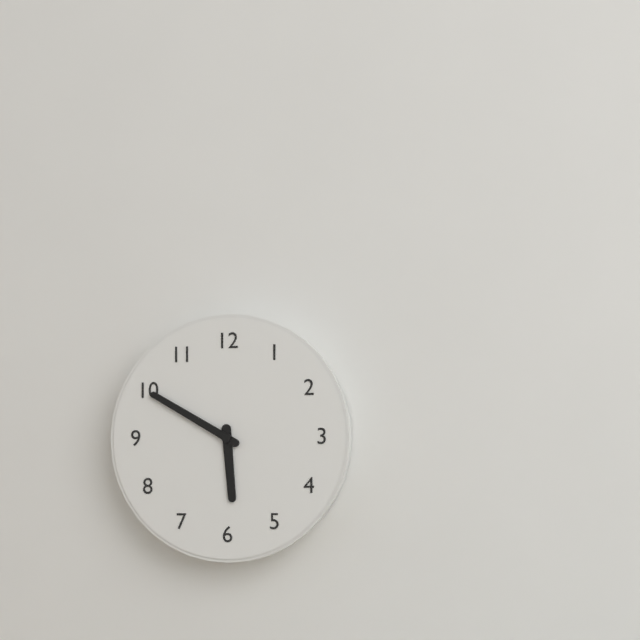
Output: h=5 m=50
